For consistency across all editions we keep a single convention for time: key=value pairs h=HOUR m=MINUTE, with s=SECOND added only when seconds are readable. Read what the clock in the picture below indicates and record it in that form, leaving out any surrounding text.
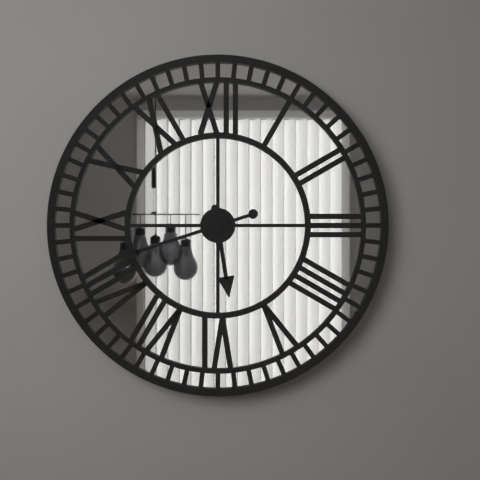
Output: h=5 m=42
